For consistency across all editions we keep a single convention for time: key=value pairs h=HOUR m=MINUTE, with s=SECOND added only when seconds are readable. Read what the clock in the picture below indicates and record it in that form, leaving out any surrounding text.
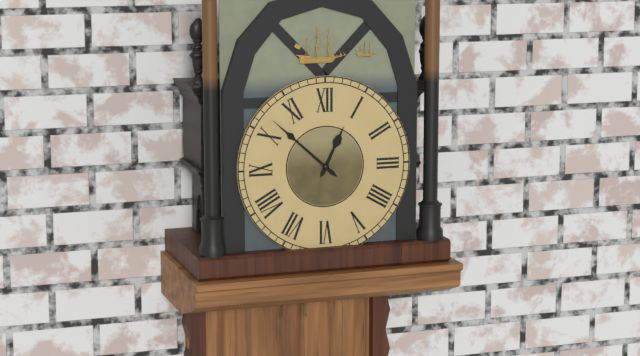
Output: h=12 m=52
